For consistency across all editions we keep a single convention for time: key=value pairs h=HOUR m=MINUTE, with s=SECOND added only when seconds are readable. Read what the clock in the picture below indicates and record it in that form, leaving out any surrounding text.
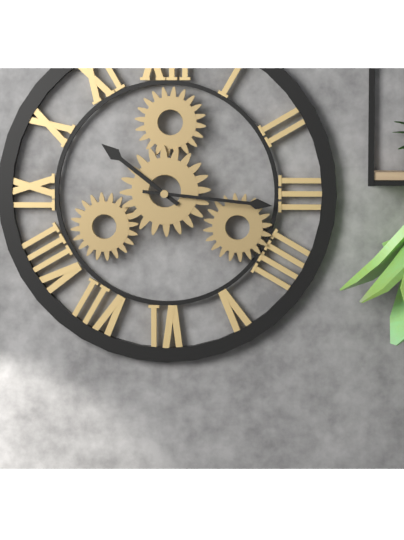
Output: h=10 m=16
